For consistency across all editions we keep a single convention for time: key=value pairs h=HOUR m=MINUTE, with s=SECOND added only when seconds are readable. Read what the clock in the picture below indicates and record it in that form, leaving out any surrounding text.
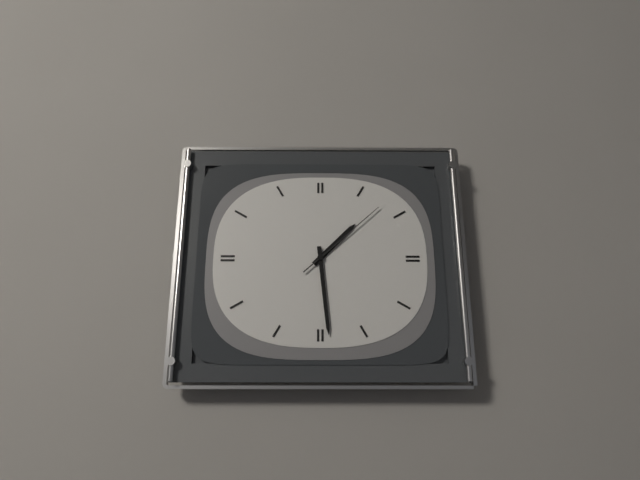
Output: h=1 m=29 s=8
